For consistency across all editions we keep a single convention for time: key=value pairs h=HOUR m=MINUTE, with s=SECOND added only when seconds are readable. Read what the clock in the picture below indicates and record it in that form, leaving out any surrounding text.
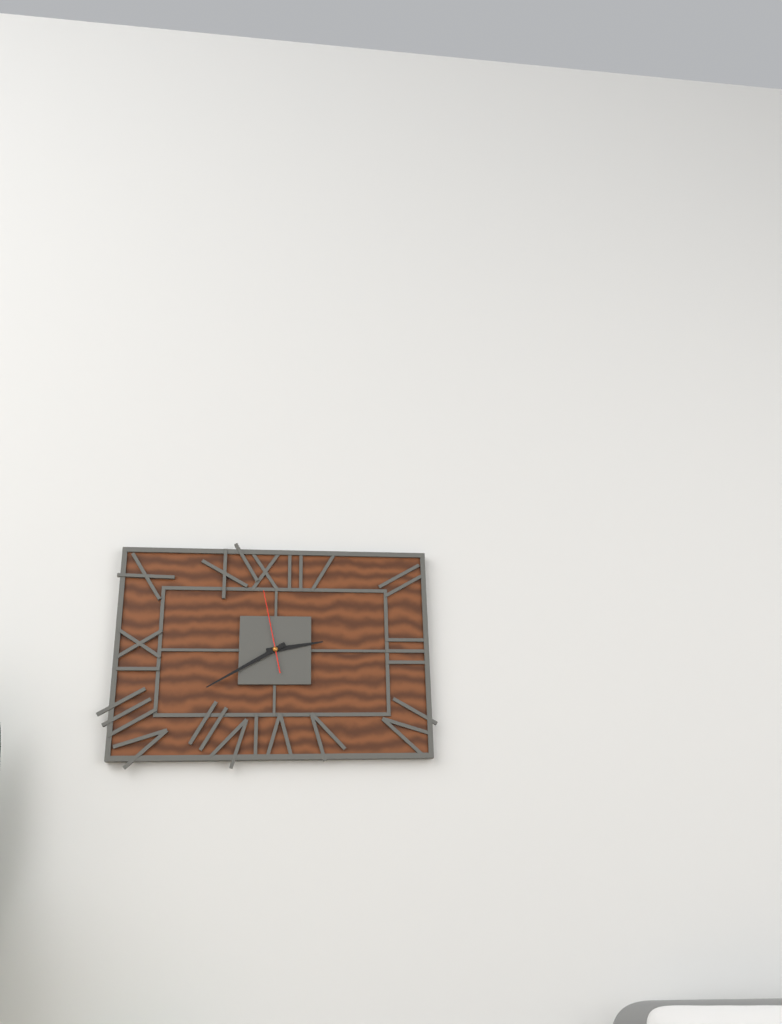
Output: h=2 m=40 s=58
